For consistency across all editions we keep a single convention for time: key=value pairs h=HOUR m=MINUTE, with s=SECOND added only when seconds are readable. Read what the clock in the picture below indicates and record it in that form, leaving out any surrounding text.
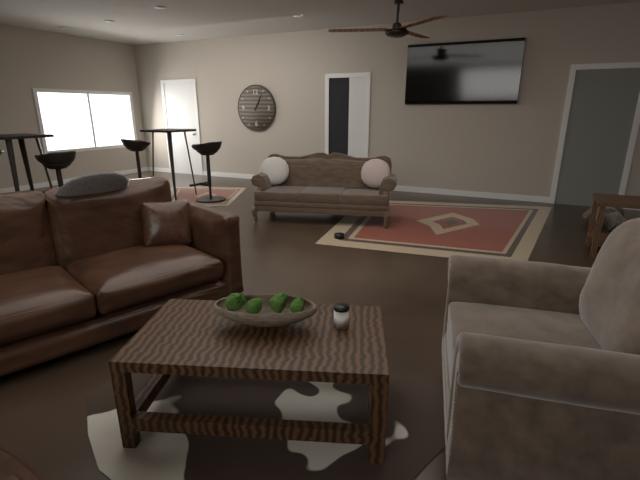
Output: h=1 m=5
